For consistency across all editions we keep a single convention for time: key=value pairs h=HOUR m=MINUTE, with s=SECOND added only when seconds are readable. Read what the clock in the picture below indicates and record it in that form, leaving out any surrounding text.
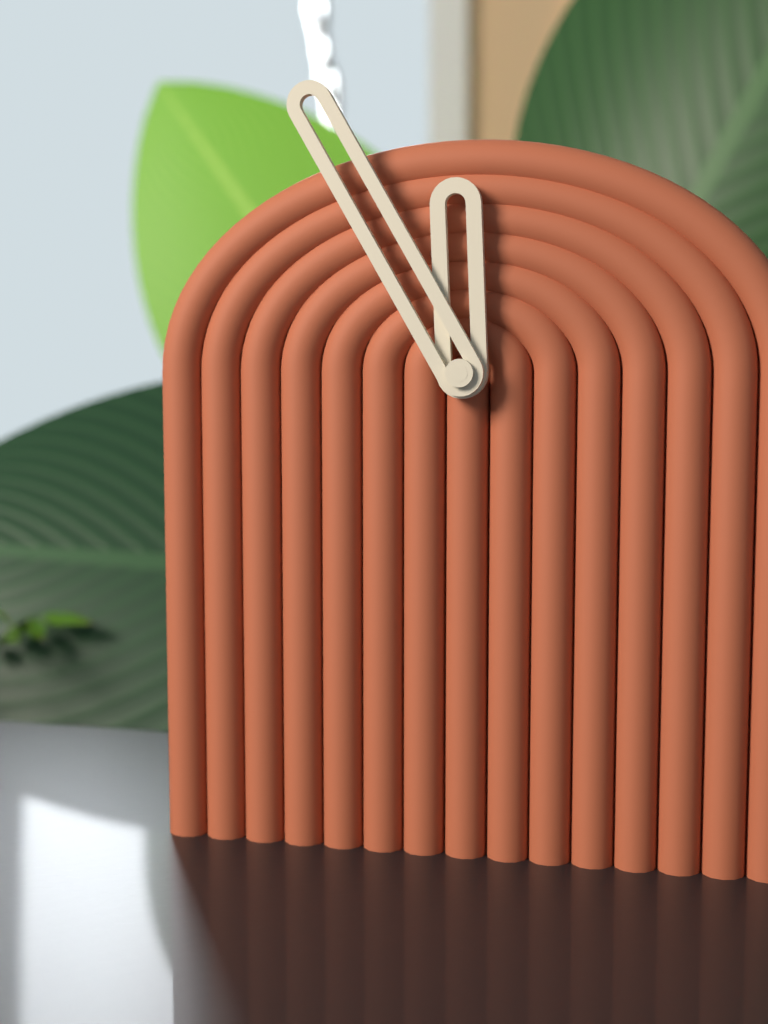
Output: h=11 m=55
